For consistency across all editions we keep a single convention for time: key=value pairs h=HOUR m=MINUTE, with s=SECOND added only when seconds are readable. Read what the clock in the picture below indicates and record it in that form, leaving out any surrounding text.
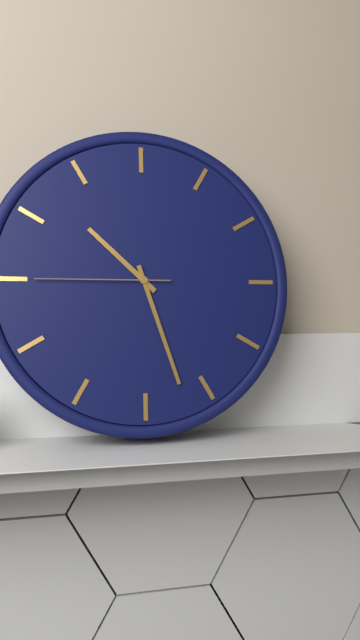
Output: h=10 m=27 s=45
